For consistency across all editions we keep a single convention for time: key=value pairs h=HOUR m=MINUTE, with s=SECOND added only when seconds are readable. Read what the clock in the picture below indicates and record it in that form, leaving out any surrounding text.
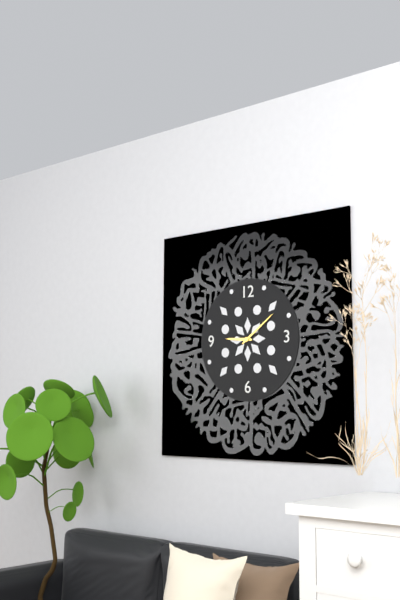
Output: h=9 m=9
